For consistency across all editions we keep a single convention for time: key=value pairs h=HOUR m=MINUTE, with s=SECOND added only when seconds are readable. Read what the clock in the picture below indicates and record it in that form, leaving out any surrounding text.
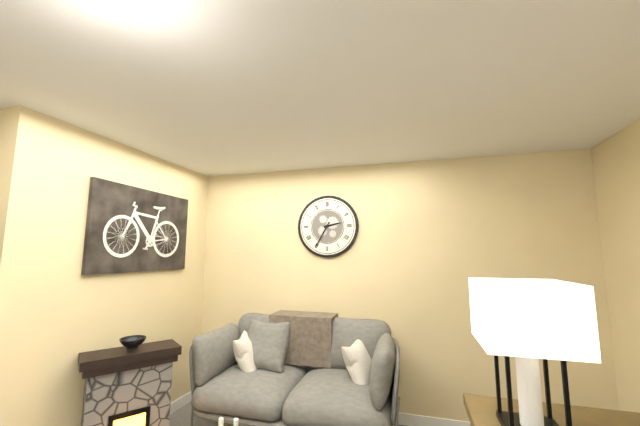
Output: h=2 m=35
